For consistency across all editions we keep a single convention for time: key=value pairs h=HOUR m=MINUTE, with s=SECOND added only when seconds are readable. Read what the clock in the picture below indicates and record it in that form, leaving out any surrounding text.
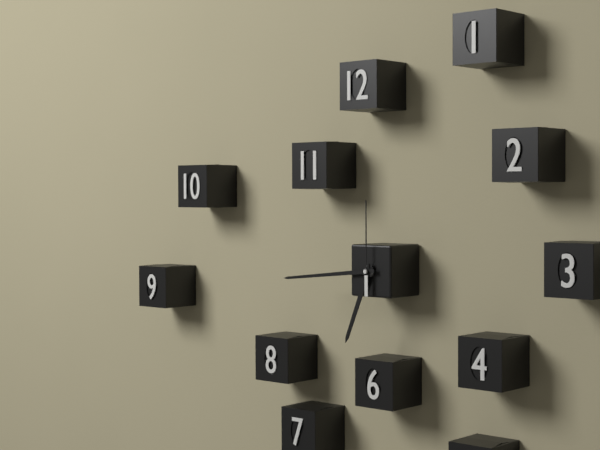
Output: h=6 m=44 s=0
